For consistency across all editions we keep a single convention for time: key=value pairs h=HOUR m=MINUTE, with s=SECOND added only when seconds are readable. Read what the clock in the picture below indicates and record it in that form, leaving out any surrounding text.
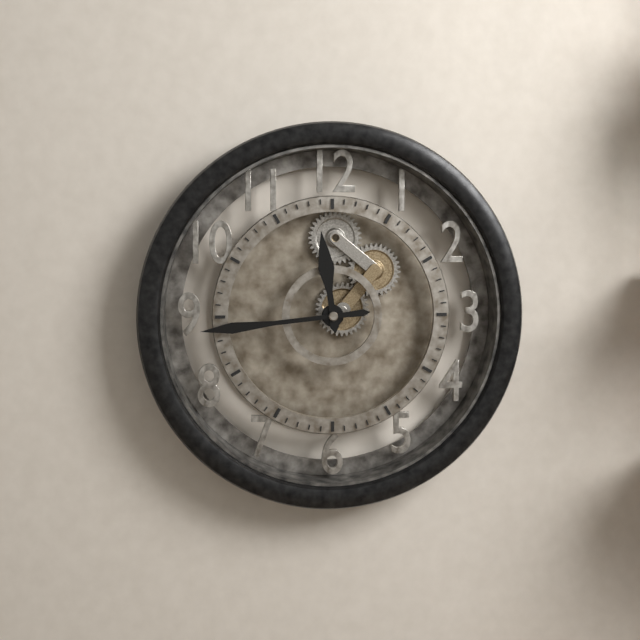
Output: h=11 m=44
